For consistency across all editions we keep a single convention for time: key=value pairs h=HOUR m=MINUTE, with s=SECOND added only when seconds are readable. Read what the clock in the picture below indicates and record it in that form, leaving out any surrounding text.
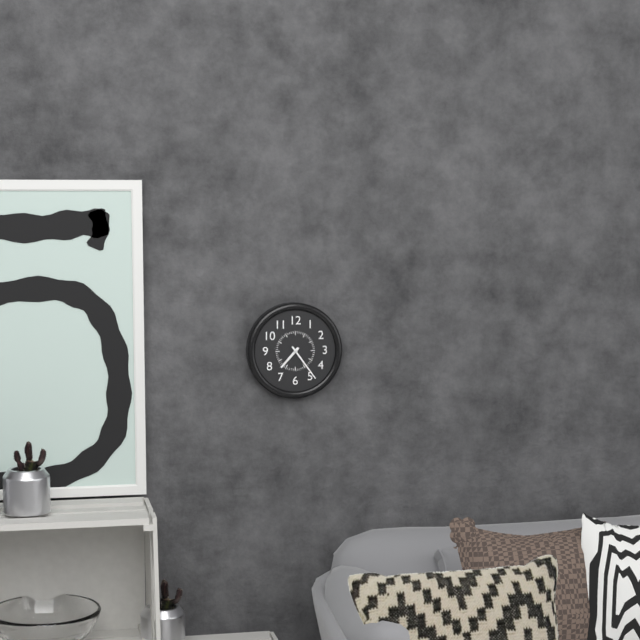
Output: h=7 m=24
